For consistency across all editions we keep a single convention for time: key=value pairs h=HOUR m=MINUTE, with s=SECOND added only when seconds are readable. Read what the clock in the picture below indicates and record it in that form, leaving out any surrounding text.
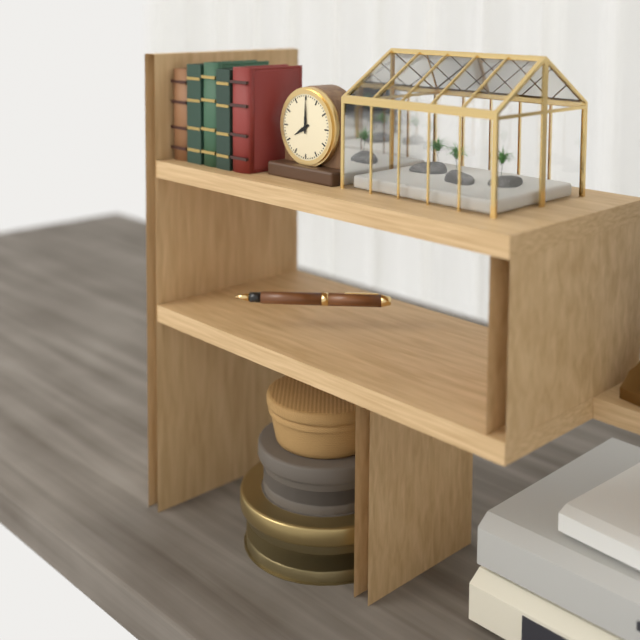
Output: h=8 m=0
